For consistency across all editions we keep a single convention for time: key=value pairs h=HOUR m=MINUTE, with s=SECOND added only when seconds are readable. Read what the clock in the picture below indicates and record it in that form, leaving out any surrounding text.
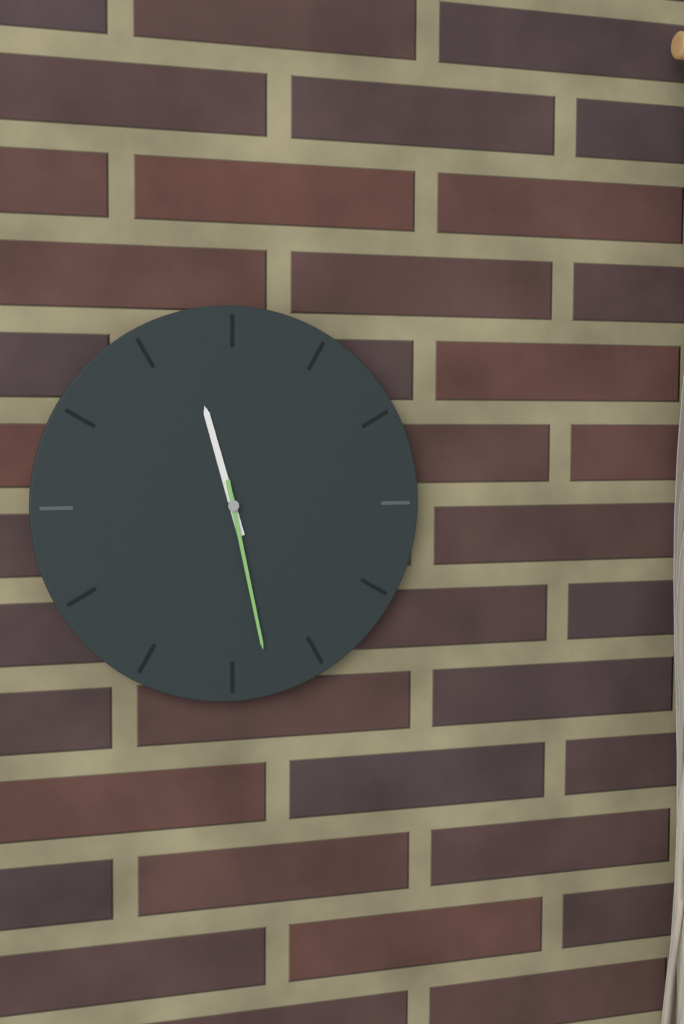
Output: h=11 m=28
